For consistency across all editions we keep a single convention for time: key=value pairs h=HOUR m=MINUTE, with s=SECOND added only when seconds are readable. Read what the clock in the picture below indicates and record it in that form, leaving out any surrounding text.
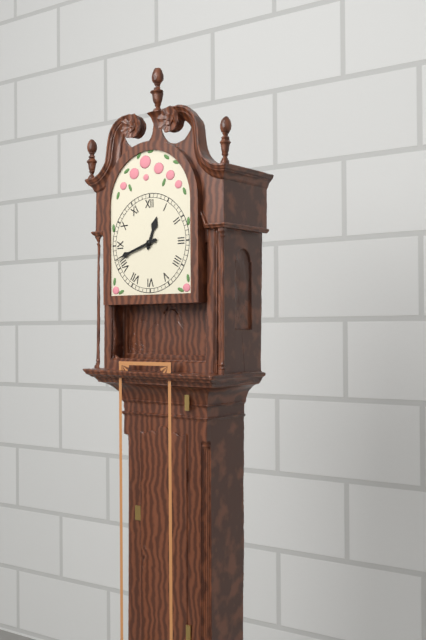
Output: h=12 m=42
